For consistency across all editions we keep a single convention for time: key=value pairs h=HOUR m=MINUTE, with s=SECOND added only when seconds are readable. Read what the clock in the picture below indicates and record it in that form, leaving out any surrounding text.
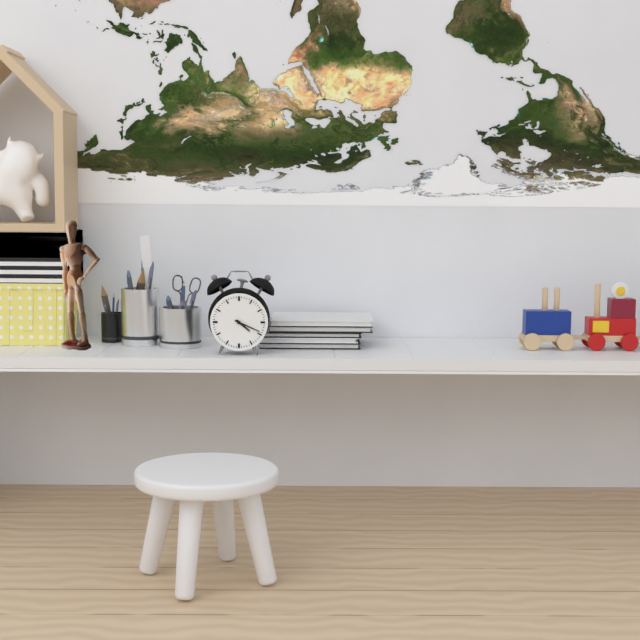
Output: h=4 m=19
